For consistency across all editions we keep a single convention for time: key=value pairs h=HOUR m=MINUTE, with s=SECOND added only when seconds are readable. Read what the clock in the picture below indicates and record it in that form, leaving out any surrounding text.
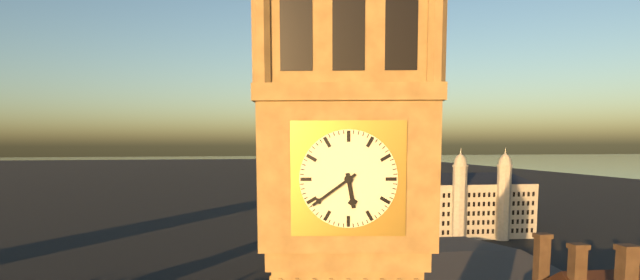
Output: h=5 m=39
